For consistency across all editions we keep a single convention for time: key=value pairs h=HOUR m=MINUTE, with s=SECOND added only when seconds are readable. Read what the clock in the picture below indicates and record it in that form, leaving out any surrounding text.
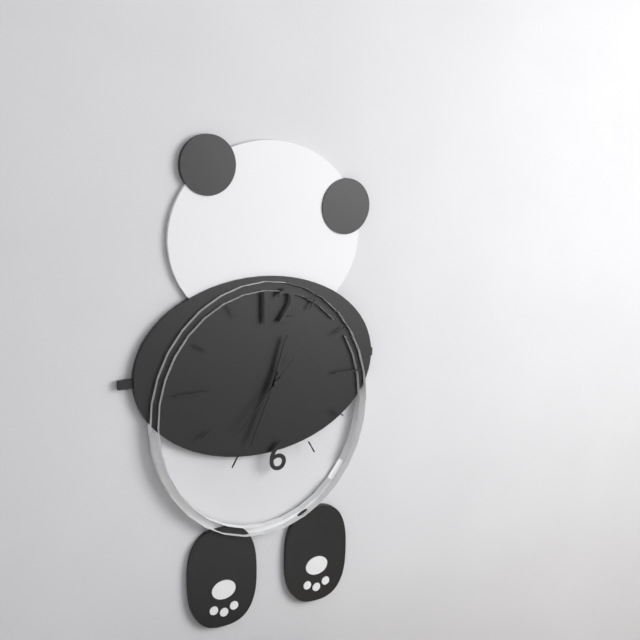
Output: h=12 m=34 s=37
